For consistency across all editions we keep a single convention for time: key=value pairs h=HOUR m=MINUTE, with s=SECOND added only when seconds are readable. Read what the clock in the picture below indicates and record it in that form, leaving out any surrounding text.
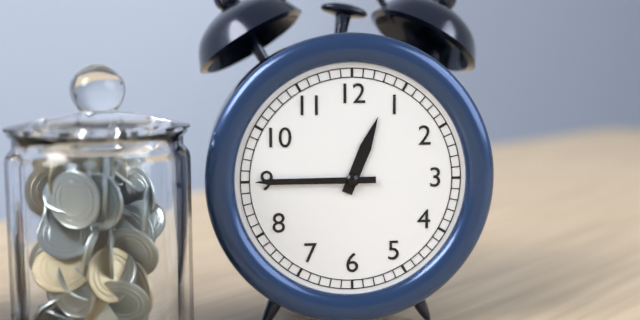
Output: h=12 m=45
